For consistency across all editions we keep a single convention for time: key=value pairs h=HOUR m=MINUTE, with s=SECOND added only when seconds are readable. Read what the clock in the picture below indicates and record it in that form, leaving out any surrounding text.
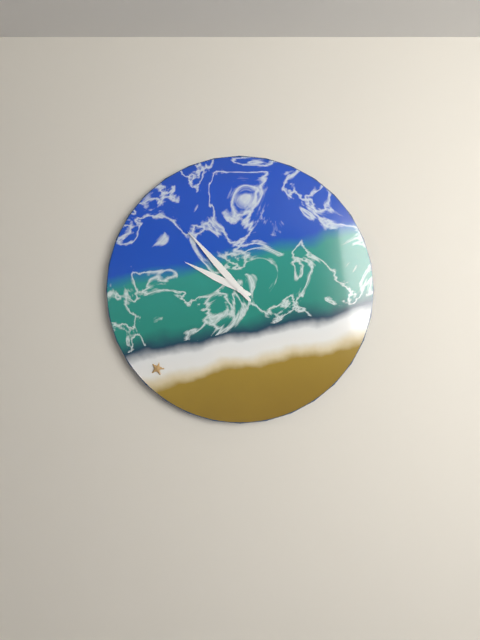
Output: h=9 m=53
